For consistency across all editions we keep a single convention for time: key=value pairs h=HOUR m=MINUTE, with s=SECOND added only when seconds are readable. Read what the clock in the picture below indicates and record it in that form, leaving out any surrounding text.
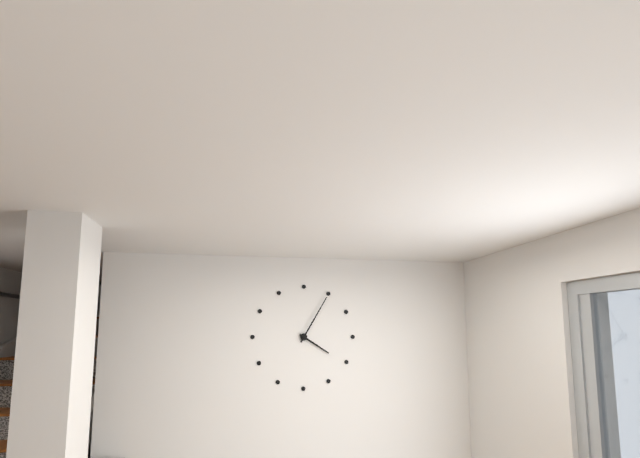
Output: h=4 m=5
